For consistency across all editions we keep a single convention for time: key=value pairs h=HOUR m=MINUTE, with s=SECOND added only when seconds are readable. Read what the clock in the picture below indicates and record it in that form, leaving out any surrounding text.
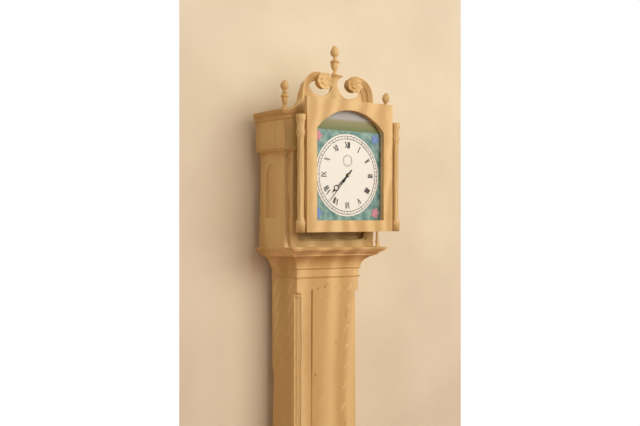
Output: h=7 m=37
